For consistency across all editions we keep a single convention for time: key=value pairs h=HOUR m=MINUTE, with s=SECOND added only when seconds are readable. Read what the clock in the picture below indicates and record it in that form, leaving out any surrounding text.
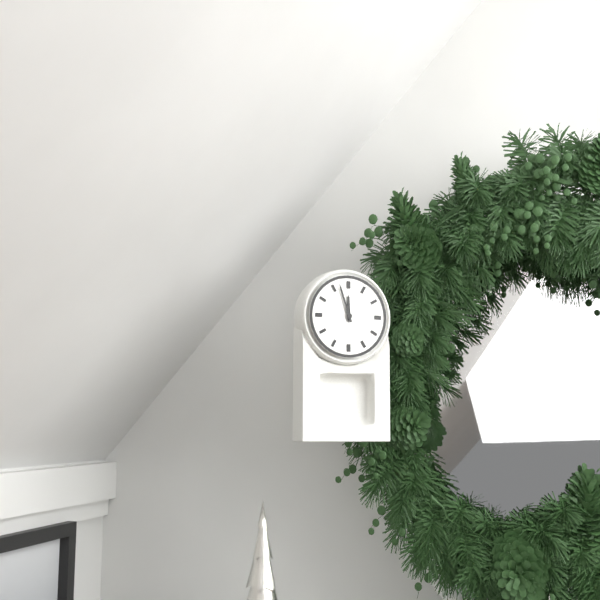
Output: h=11 m=57
